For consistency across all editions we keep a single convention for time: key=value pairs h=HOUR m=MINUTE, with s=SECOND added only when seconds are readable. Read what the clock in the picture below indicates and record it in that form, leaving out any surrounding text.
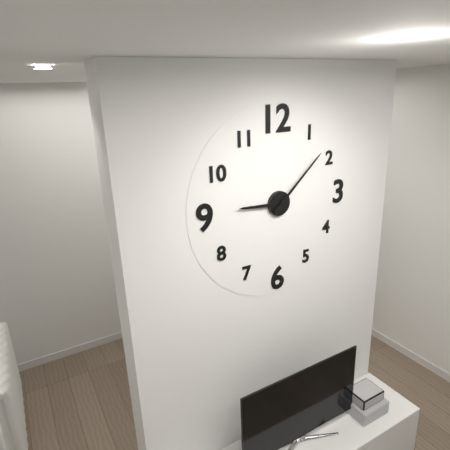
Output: h=9 m=8
